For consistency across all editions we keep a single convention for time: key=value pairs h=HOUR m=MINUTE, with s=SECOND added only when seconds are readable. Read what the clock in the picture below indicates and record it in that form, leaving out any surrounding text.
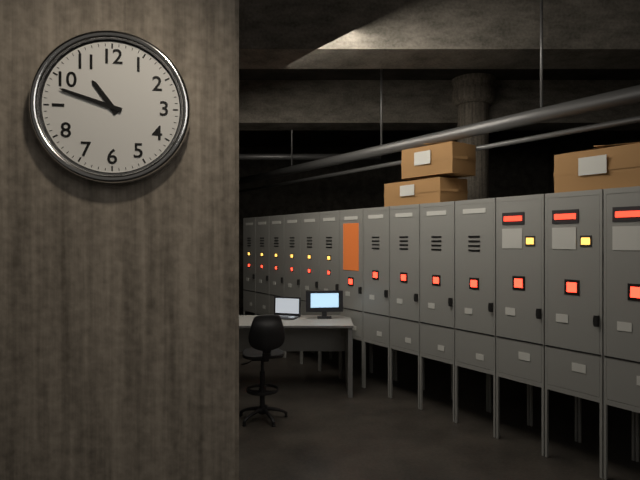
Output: h=10 m=48
